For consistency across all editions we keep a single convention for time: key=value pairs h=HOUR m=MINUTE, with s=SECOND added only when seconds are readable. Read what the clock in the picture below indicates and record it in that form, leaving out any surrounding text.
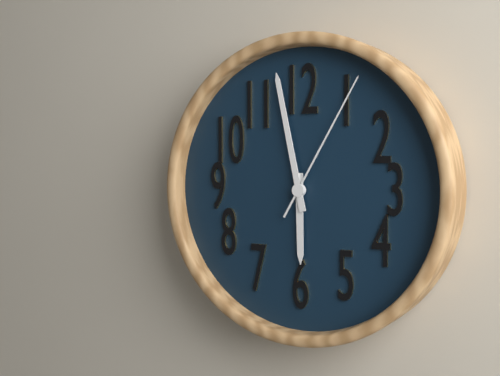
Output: h=5 m=58 s=5
